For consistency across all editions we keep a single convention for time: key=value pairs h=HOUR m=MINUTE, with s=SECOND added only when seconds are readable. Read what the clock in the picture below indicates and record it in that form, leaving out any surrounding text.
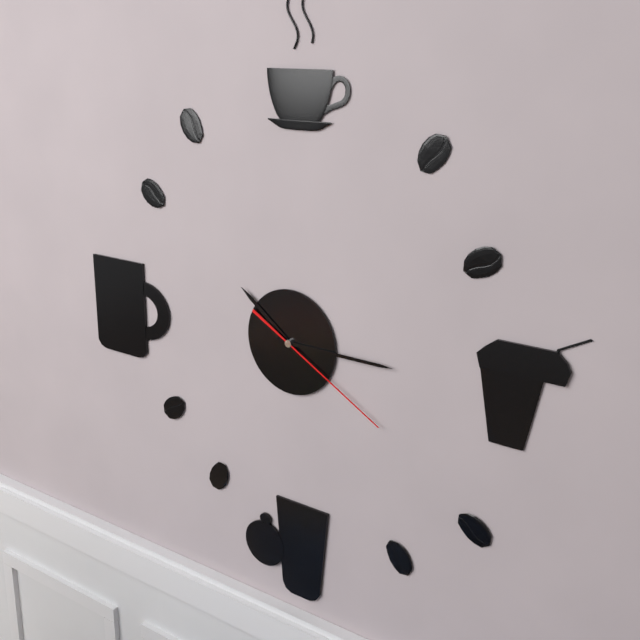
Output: h=10 m=15 s=20
